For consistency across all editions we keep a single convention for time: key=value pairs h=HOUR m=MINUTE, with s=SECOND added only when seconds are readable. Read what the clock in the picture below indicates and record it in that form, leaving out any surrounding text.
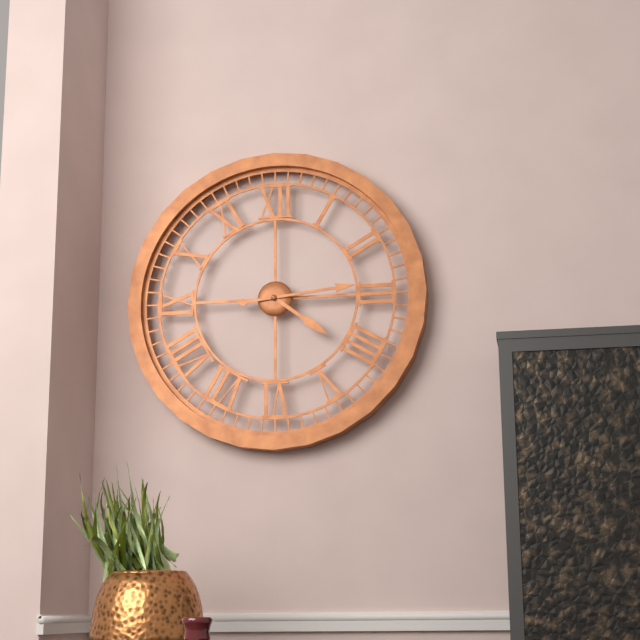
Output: h=4 m=14
